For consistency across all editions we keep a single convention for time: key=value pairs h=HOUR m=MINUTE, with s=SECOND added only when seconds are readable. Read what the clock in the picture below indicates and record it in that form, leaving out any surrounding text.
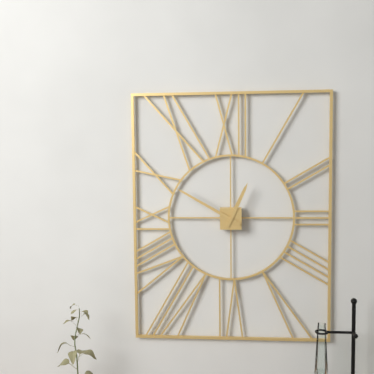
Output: h=12 m=50
